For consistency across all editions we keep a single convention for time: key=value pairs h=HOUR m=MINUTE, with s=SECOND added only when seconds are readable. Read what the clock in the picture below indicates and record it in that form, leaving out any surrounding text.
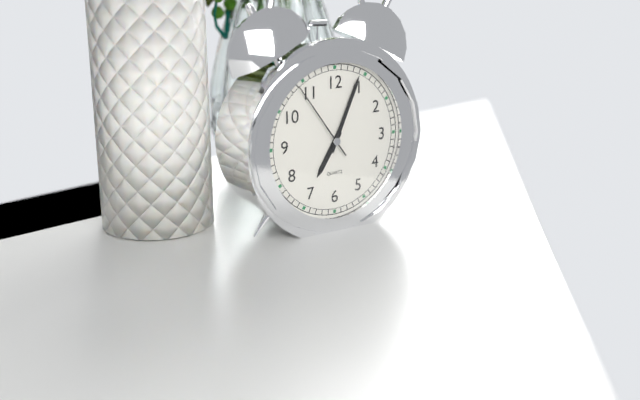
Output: h=7 m=4 s=54
